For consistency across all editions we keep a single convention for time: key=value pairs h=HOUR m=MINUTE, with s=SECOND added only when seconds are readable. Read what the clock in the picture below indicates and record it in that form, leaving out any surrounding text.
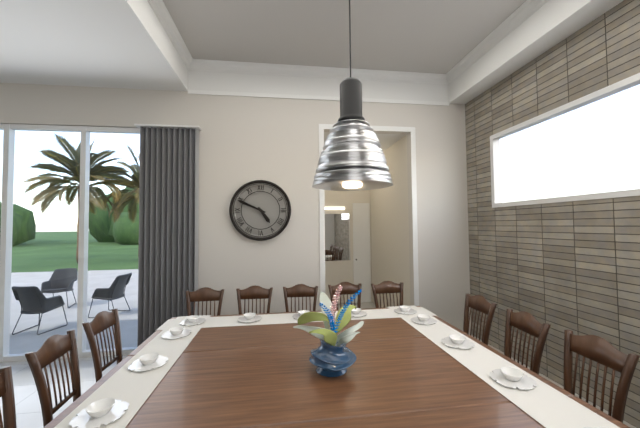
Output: h=4 m=49
